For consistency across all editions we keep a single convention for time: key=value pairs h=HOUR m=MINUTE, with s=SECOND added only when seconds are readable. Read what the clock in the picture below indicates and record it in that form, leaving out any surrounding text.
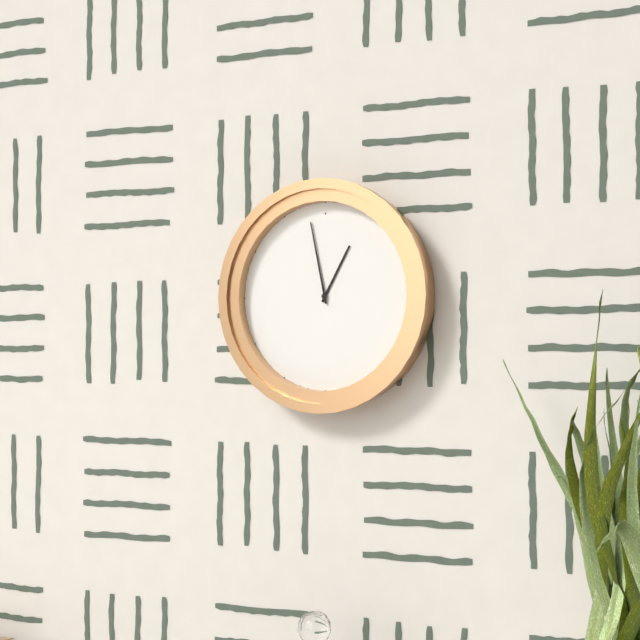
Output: h=12 m=58
